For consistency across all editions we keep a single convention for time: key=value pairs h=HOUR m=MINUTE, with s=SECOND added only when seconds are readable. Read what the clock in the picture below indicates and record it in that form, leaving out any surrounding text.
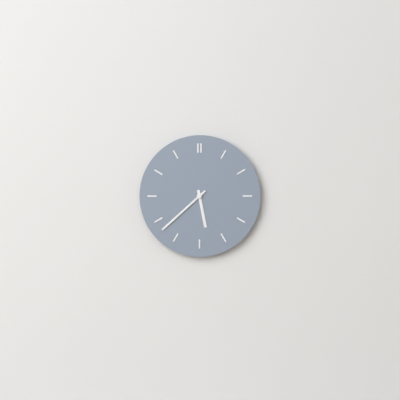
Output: h=5 m=38
